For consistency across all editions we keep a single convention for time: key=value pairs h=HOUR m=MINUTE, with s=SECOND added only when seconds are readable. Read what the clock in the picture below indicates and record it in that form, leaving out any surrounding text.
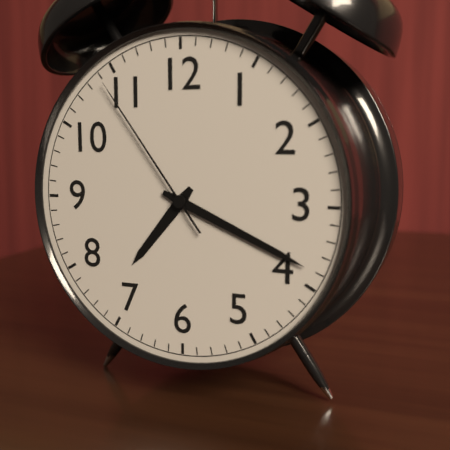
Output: h=7 m=19 s=54
